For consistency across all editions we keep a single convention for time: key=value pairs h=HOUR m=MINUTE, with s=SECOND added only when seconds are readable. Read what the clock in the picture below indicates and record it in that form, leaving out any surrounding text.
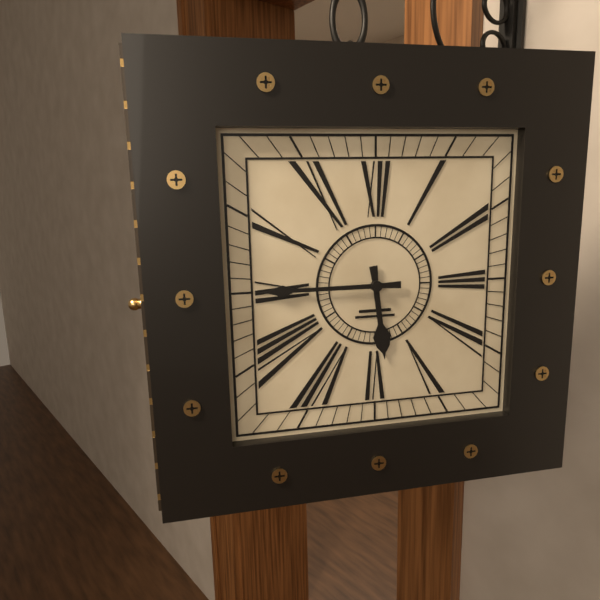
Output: h=5 m=45
